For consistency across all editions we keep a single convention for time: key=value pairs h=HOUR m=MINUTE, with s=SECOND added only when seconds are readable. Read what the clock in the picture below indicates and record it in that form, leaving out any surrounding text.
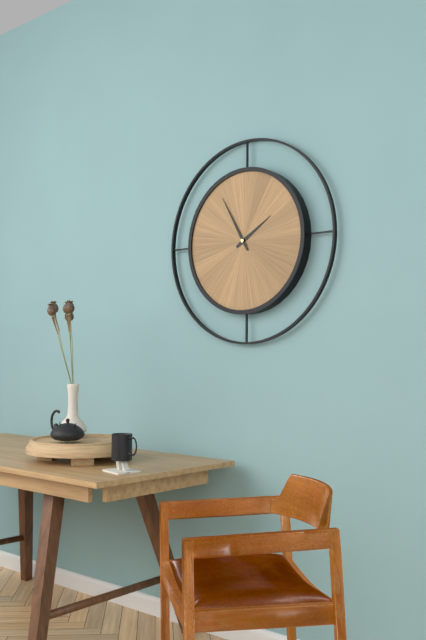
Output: h=1 m=55
